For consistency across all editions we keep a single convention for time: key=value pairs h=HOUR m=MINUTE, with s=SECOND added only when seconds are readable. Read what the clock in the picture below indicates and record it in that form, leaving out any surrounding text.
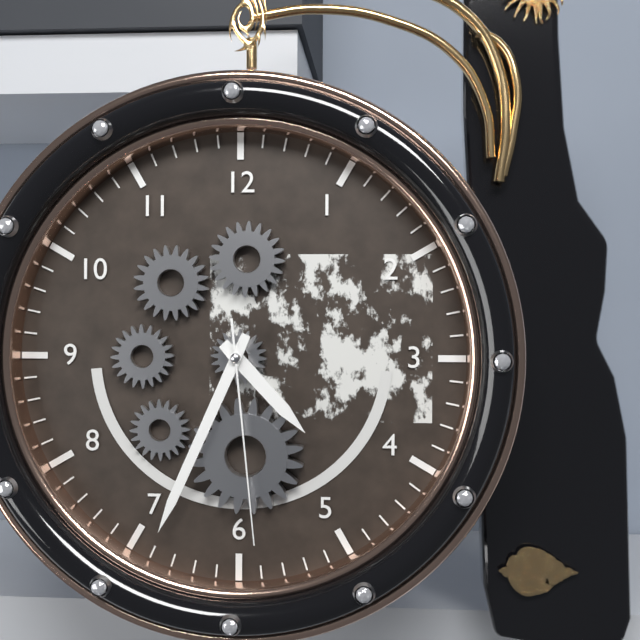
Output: h=4 m=34 s=29
